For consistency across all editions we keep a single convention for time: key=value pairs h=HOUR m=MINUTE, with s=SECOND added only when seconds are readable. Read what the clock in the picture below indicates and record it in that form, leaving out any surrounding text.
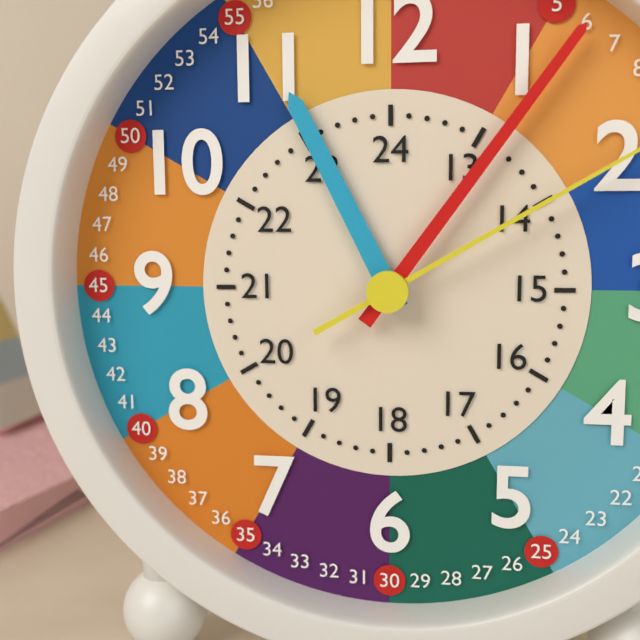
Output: h=11 m=6
